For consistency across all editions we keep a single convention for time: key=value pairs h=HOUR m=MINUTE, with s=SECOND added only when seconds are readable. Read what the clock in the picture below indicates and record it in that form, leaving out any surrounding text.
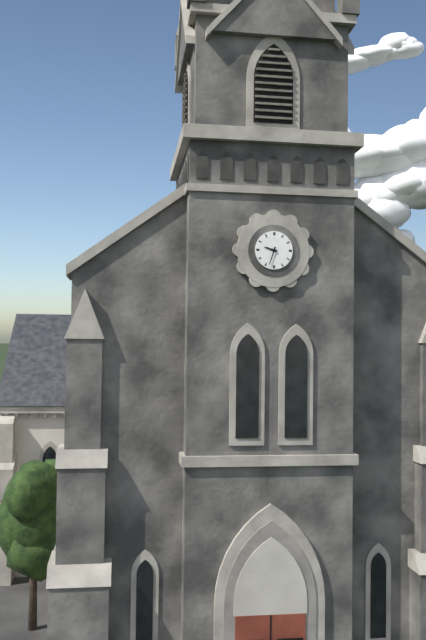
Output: h=9 m=33
